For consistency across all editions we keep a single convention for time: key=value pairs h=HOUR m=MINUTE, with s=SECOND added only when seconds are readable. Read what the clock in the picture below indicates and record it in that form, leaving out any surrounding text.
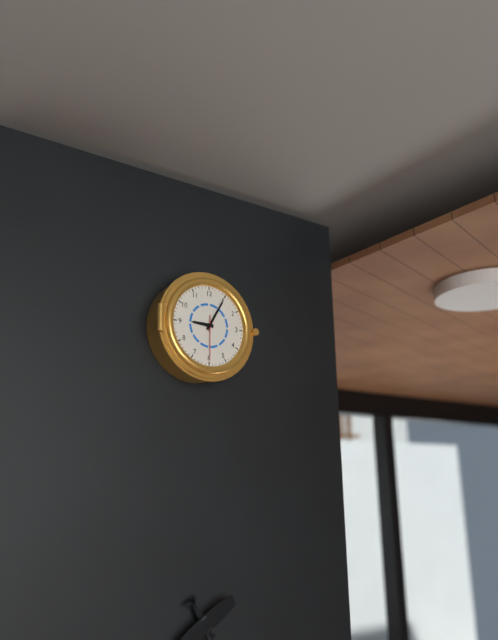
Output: h=9 m=5
